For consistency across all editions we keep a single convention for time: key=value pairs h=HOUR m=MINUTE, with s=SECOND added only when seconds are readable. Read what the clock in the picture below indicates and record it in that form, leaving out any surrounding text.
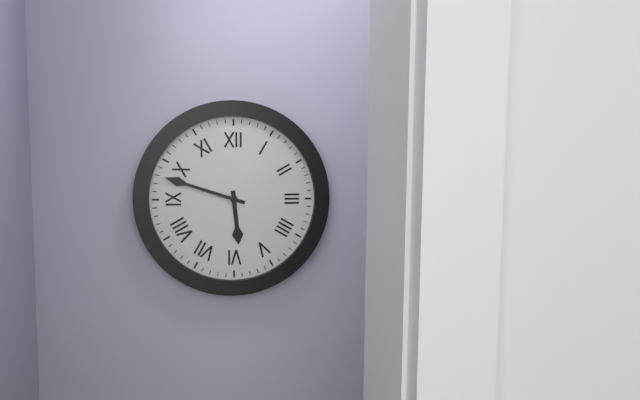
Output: h=5 m=48
